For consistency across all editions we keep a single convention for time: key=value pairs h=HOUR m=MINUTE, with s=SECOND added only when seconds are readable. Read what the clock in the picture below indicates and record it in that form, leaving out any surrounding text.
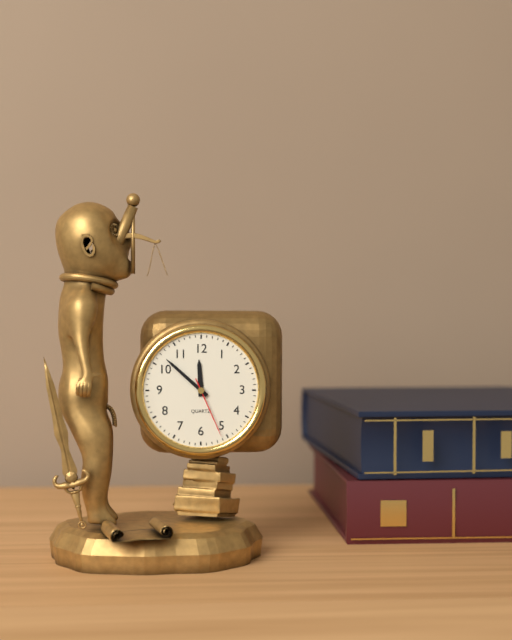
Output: h=11 m=52 s=26
